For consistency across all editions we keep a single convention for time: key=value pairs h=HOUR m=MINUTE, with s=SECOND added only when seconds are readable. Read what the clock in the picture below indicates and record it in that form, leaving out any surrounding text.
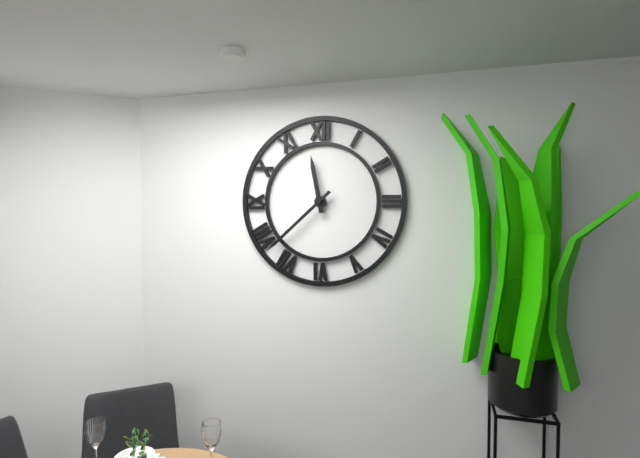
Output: h=11 m=38
